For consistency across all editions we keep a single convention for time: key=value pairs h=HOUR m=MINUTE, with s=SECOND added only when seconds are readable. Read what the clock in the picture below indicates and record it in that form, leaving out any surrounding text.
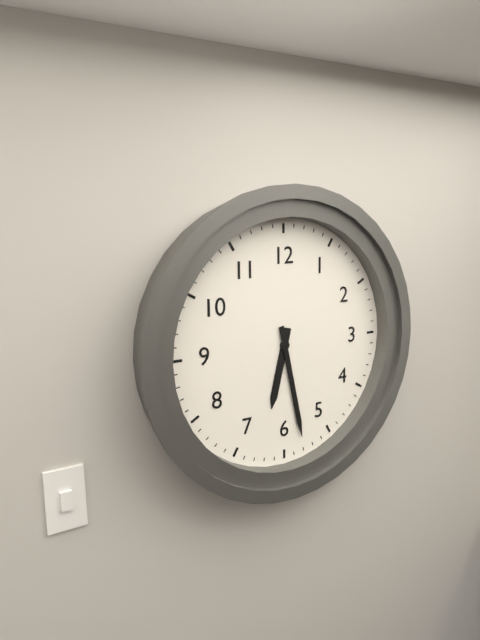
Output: h=6 m=28
